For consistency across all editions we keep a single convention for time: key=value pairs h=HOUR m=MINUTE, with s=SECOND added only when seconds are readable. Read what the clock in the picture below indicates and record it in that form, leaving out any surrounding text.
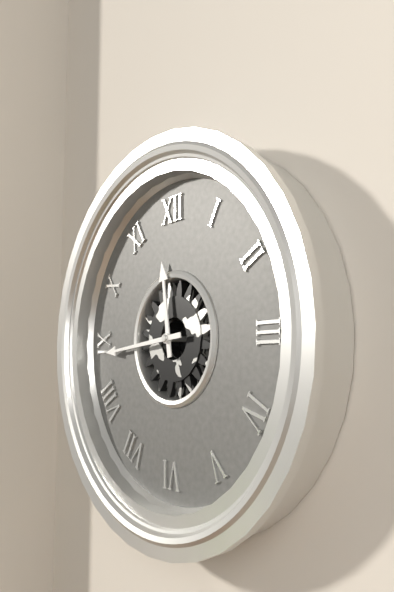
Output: h=11 m=44
